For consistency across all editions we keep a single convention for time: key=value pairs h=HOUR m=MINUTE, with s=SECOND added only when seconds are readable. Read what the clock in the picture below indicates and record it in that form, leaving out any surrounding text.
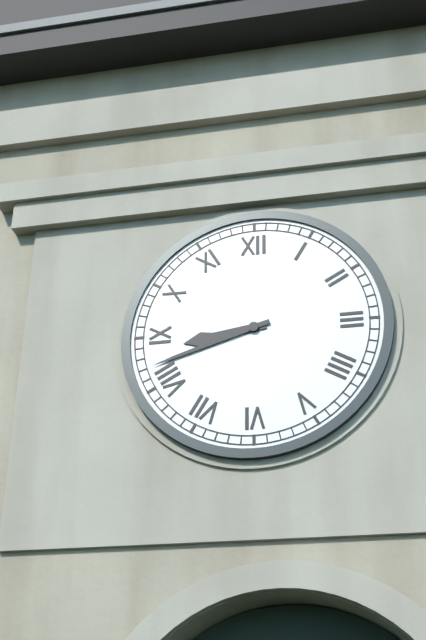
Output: h=8 m=42
